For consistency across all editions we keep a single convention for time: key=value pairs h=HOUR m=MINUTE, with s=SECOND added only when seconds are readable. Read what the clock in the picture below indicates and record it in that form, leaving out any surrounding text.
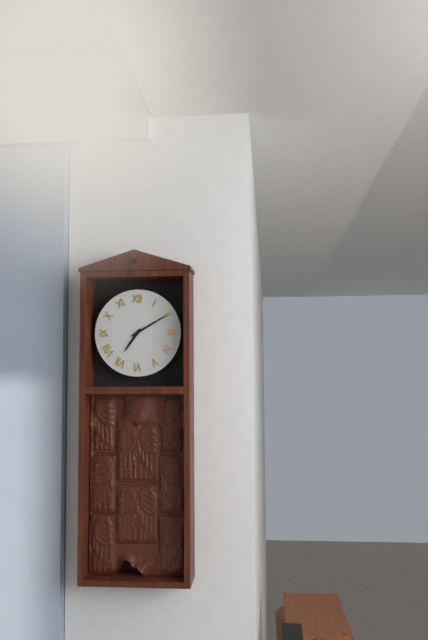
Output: h=7 m=10
